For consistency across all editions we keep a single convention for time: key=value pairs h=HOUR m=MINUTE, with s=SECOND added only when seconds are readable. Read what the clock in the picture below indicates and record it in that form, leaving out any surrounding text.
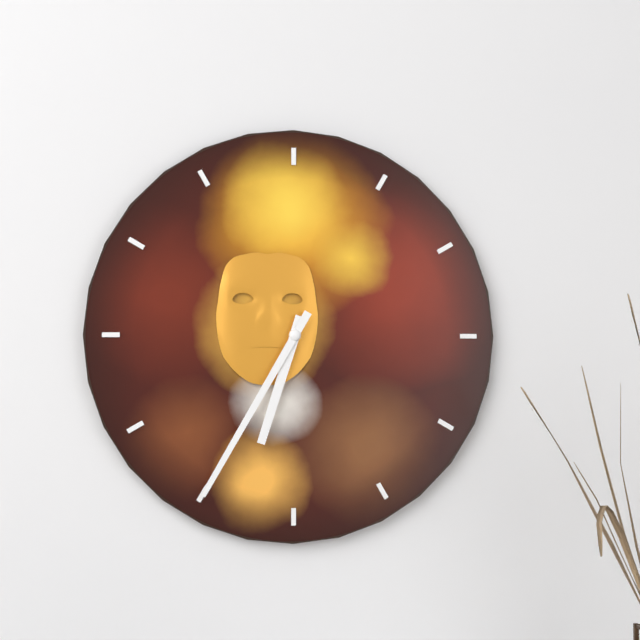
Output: h=6 m=35
